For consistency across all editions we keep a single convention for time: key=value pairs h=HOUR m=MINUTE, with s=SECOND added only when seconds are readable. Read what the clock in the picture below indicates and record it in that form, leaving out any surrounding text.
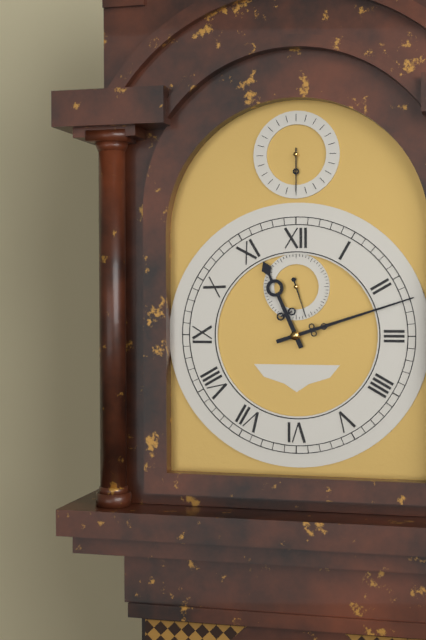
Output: h=11 m=12
